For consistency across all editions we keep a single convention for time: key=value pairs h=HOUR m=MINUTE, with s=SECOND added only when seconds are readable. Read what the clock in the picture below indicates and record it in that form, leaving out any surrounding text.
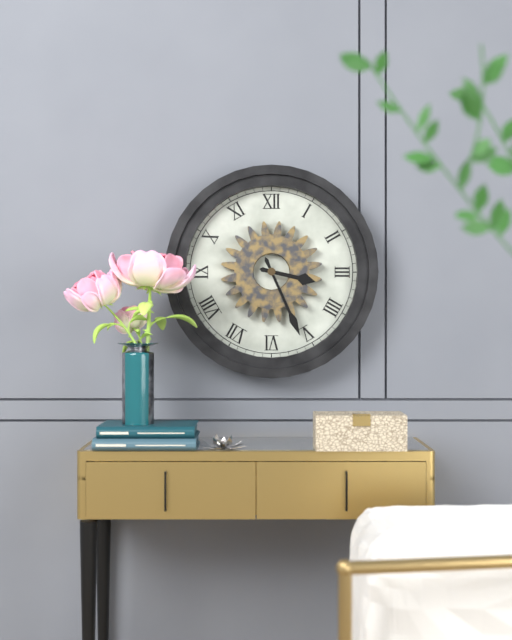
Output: h=3 m=26
